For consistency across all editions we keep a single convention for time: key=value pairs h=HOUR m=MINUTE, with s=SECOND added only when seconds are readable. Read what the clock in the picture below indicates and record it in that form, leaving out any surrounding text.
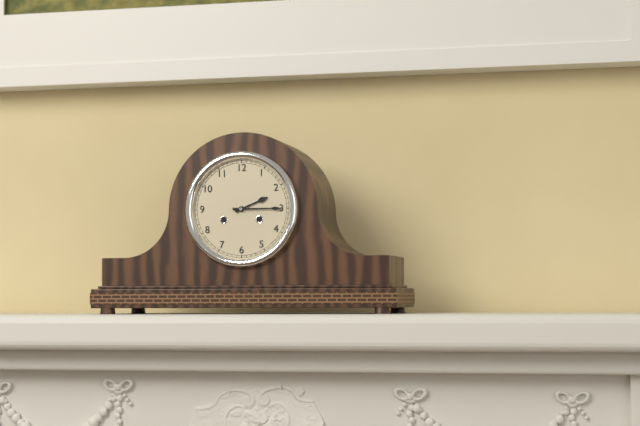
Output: h=2 m=15
